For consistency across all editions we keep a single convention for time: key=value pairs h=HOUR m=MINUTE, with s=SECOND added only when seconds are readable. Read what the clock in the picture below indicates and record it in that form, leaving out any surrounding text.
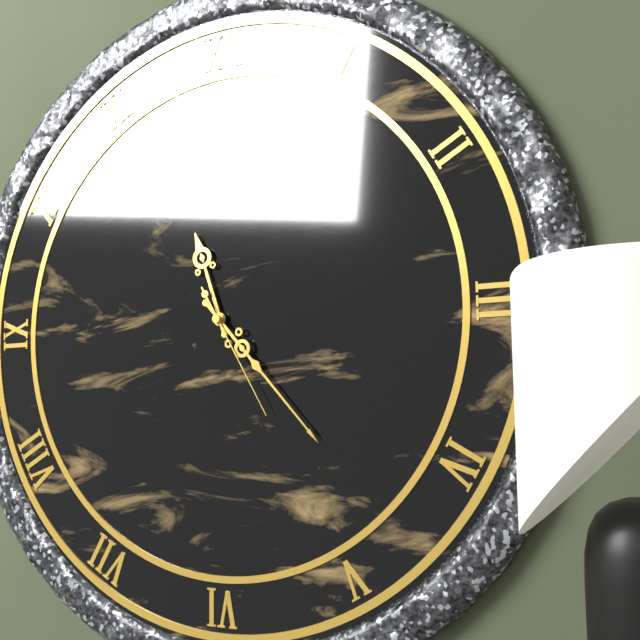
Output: h=11 m=23 s=25
